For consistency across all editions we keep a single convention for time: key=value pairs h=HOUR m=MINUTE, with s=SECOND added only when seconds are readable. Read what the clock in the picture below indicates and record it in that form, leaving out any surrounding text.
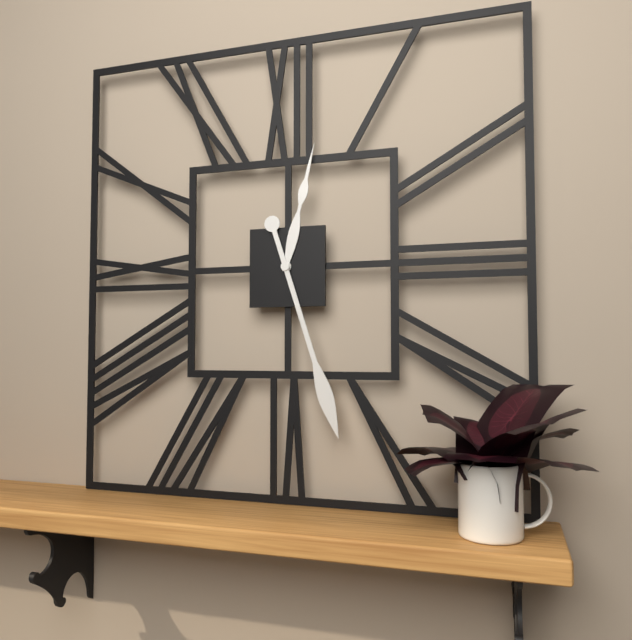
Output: h=12 m=27
